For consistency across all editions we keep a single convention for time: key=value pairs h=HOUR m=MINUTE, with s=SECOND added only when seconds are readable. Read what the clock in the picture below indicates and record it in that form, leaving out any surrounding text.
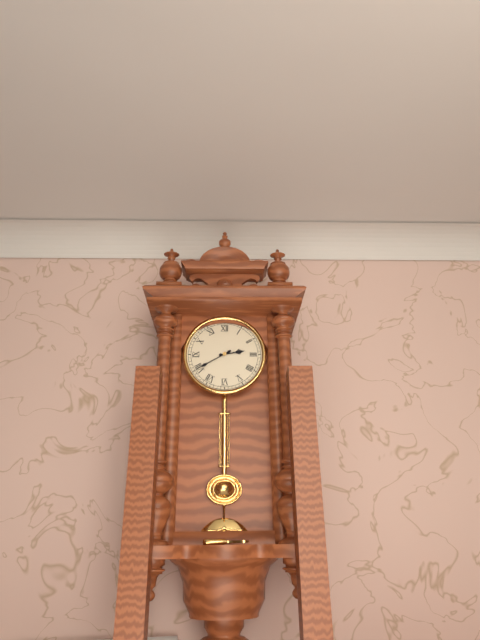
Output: h=2 m=40
